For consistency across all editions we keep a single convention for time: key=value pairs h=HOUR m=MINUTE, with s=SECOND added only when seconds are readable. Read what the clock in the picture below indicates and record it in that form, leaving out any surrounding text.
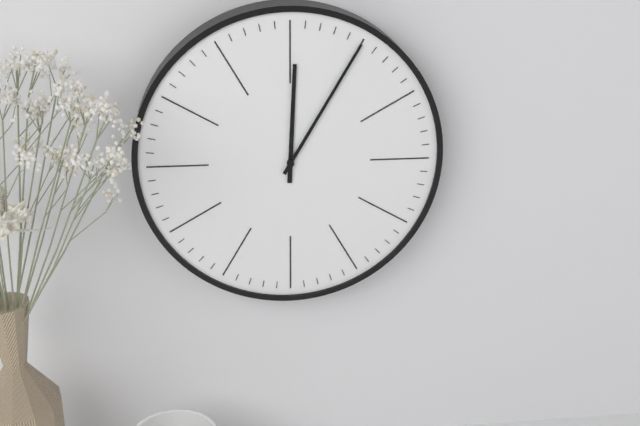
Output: h=12 m=5
